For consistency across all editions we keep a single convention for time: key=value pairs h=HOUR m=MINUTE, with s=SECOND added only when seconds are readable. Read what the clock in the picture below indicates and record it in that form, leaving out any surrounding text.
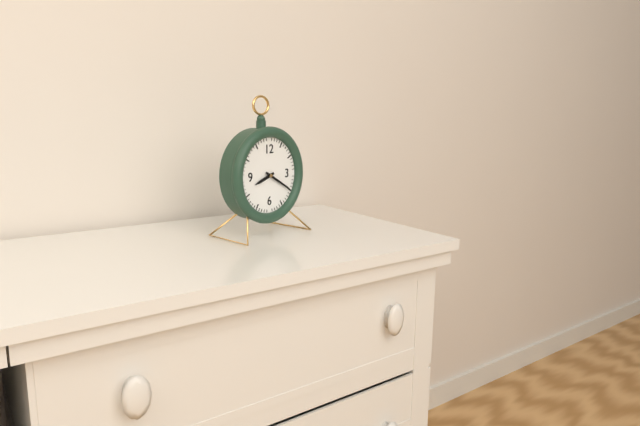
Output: h=8 m=20
